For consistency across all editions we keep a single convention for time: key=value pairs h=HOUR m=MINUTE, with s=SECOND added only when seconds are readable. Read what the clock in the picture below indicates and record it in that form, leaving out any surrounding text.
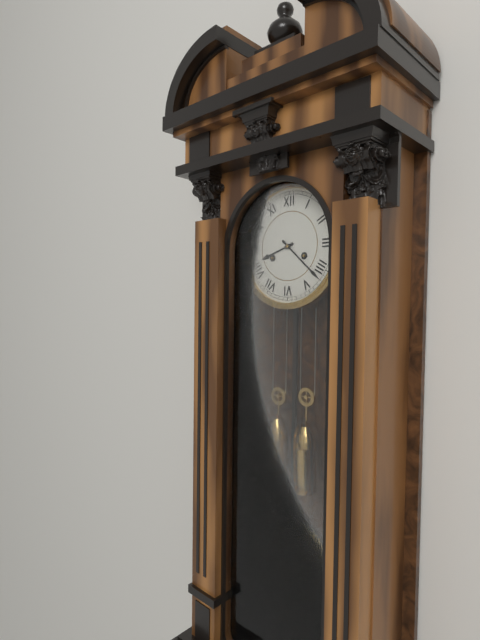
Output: h=8 m=22
